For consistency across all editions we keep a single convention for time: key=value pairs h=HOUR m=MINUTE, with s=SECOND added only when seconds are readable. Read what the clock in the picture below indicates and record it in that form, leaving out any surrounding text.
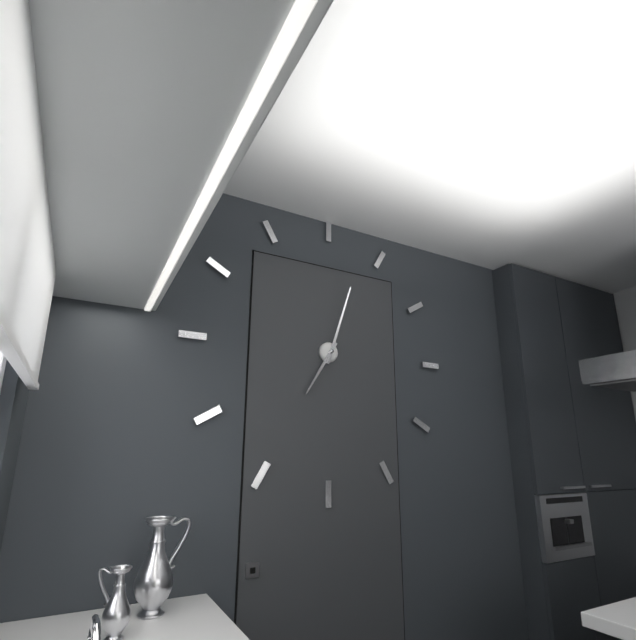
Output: h=7 m=3
